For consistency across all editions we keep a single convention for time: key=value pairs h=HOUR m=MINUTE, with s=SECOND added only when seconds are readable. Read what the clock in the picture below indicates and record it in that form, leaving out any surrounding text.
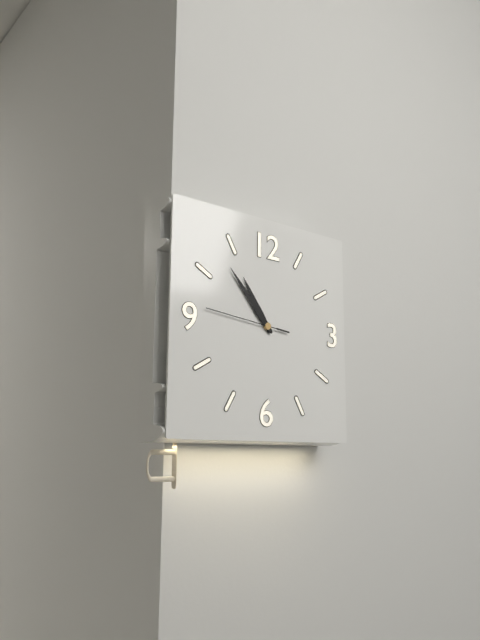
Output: h=10 m=53 s=46
